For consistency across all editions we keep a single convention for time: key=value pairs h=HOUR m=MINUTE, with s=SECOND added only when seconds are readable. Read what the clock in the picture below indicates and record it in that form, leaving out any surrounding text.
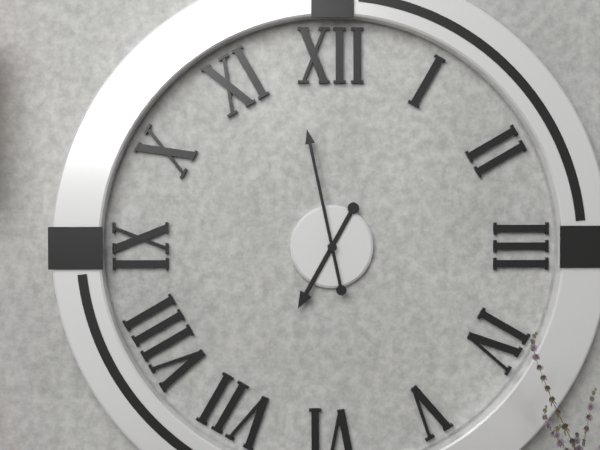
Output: h=6 m=58
